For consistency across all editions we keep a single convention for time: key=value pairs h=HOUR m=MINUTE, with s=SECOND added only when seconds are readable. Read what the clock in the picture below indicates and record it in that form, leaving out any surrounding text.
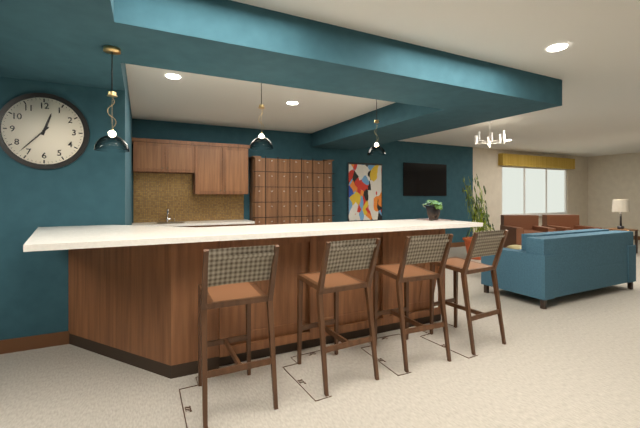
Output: h=12 m=37
